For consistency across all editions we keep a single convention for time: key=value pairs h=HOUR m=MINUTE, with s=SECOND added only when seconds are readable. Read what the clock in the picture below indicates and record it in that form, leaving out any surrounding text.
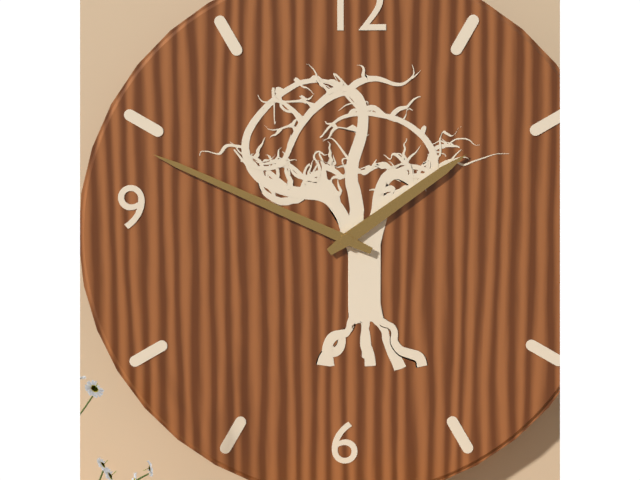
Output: h=1 m=49
